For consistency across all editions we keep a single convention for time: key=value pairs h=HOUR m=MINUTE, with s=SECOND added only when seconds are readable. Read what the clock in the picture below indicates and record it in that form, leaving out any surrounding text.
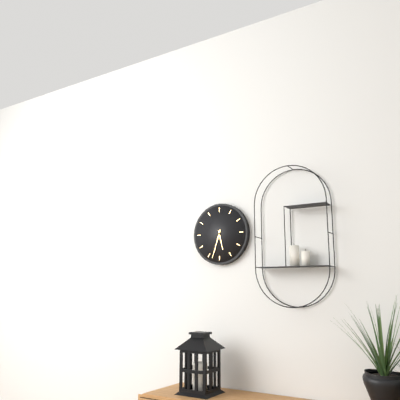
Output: h=5 m=33
